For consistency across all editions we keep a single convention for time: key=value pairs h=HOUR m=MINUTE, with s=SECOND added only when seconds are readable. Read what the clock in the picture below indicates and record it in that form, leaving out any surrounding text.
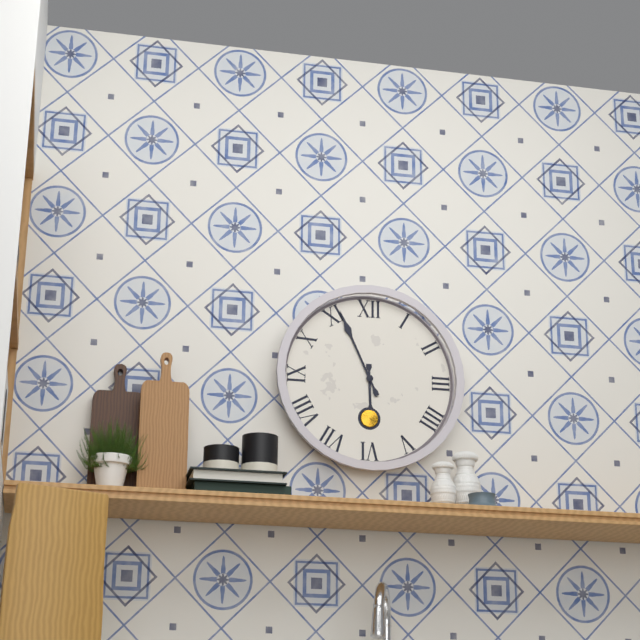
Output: h=5 m=56
